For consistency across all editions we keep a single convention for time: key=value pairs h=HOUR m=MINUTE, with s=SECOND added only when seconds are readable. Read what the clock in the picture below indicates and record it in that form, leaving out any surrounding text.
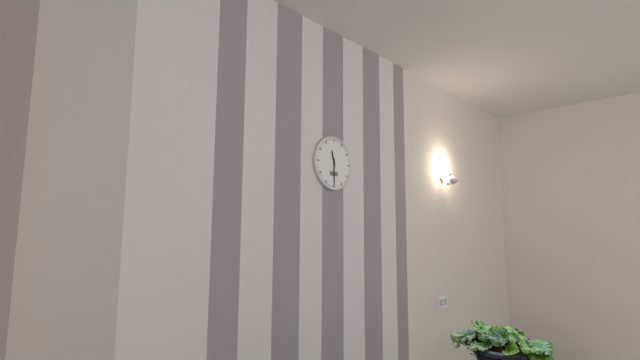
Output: h=11 m=30
